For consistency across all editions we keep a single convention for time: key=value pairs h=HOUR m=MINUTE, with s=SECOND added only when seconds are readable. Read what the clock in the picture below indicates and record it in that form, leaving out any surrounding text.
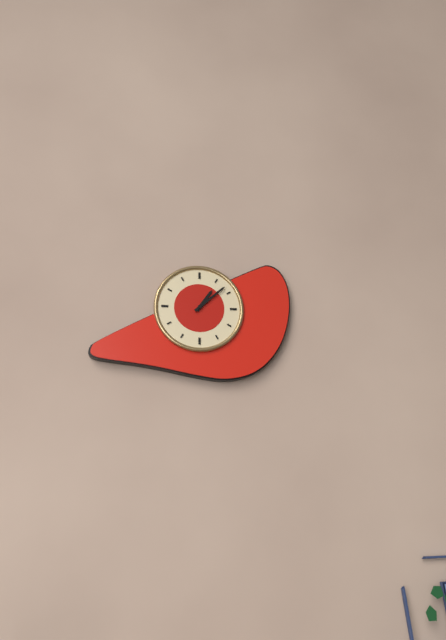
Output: h=1 m=8
